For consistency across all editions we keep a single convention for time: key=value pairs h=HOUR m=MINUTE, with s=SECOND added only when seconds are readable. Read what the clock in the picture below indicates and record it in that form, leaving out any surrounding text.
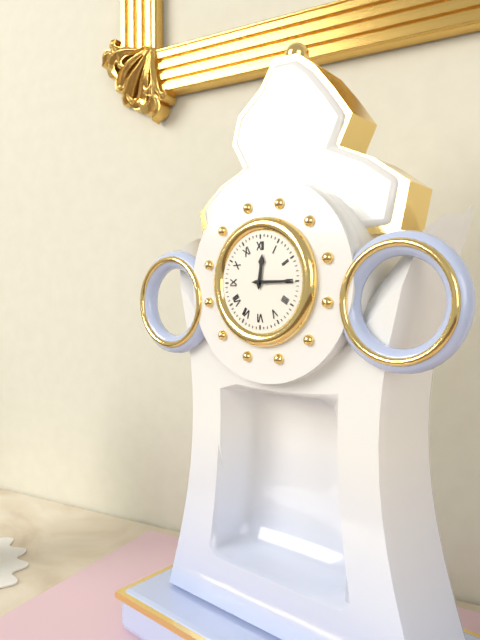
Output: h=12 m=15
